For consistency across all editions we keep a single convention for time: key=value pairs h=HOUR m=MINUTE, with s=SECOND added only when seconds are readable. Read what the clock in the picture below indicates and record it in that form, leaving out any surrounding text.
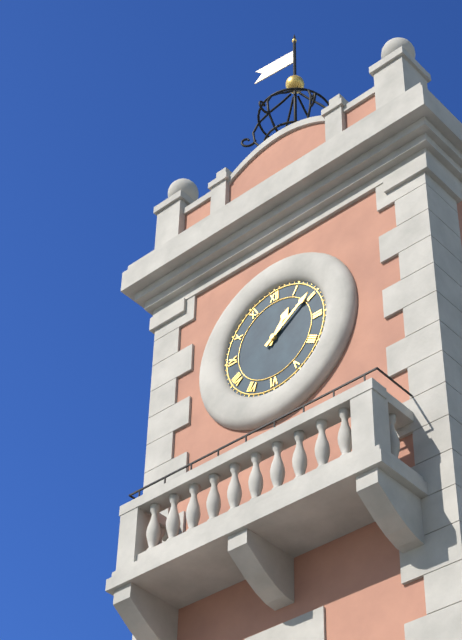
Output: h=1 m=9
